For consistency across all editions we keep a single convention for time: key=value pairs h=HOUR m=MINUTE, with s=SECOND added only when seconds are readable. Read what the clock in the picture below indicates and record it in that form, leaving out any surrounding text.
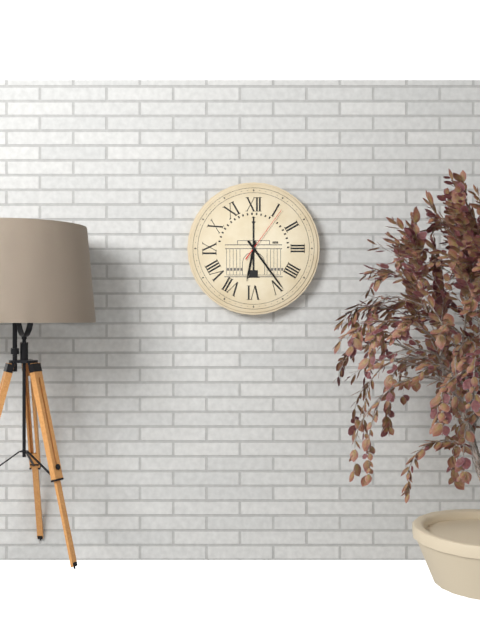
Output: h=6 m=24 s=6
